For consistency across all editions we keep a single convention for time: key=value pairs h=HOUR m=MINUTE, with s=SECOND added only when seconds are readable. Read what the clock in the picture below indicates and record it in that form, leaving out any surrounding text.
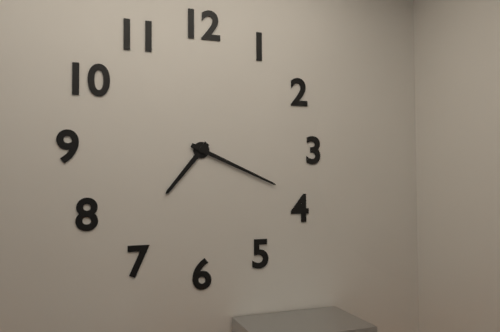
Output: h=7 m=19
